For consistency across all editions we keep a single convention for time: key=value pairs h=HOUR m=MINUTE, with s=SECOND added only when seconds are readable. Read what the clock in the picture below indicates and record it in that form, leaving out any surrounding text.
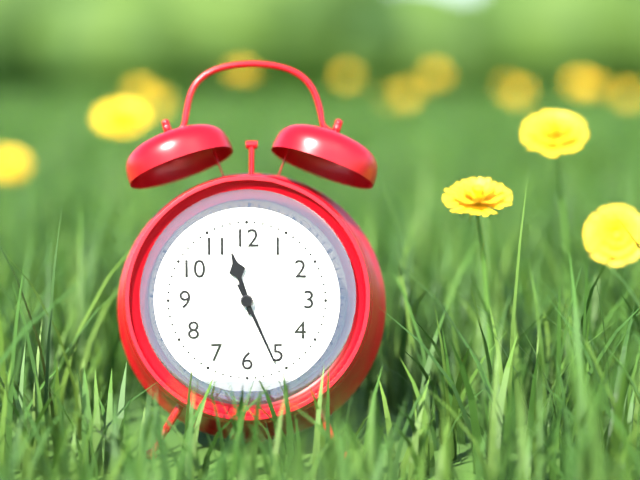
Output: h=11 m=26
